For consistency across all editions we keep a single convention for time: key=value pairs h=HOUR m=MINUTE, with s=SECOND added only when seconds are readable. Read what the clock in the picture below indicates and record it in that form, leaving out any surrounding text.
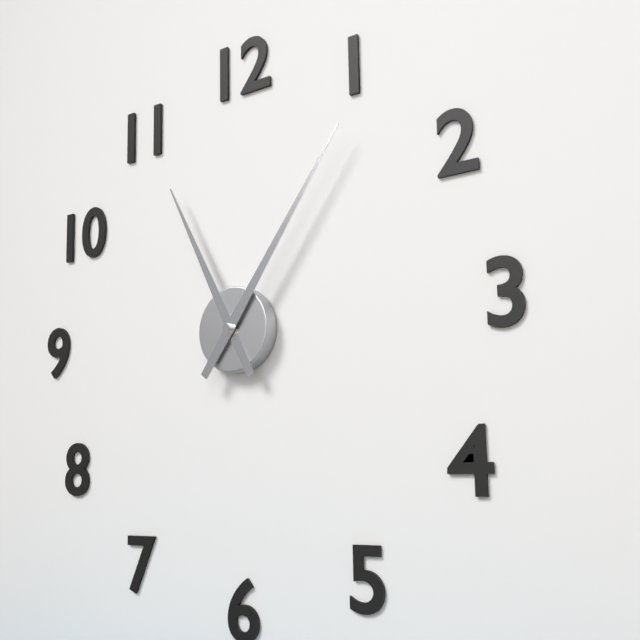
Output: h=11 m=6
